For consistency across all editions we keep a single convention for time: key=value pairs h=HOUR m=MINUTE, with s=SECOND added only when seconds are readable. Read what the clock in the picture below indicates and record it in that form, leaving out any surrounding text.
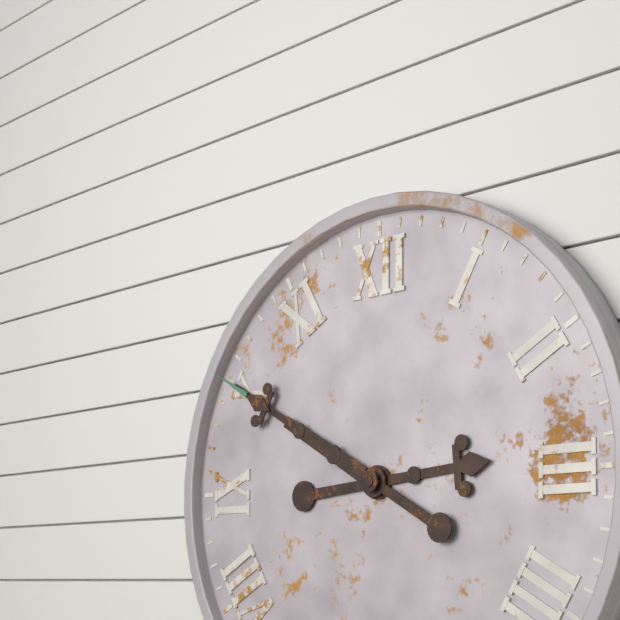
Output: h=2 m=50
